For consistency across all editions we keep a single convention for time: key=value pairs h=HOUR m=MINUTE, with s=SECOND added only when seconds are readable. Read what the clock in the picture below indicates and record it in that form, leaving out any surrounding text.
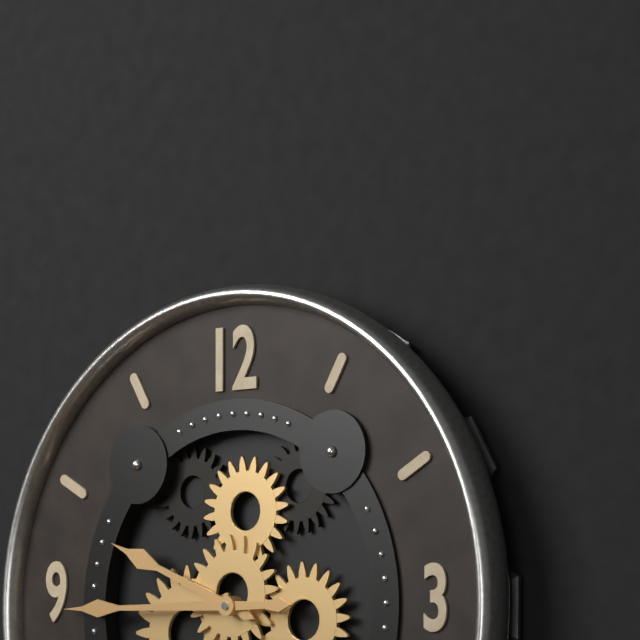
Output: h=9 m=45
